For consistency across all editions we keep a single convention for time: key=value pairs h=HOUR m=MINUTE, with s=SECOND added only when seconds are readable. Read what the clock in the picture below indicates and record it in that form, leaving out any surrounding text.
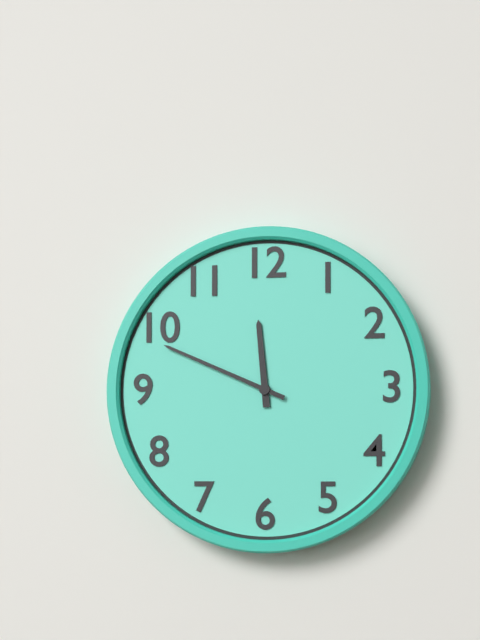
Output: h=11 m=49
